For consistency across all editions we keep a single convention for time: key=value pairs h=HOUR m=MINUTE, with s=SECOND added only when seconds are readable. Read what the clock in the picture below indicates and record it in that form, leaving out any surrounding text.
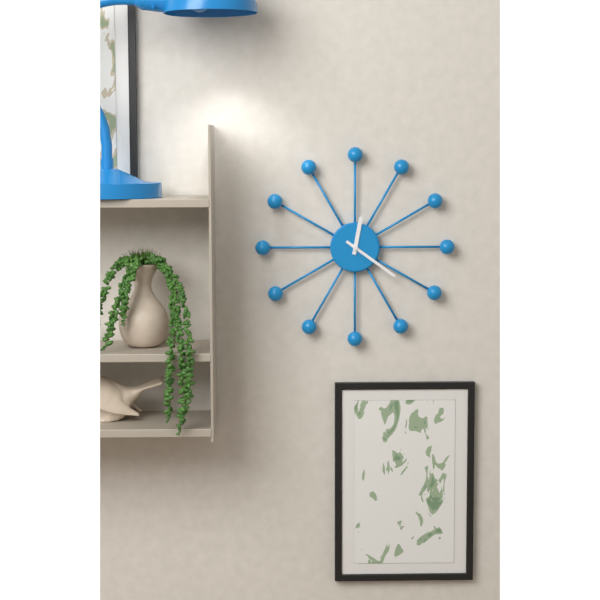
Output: h=12 m=21
